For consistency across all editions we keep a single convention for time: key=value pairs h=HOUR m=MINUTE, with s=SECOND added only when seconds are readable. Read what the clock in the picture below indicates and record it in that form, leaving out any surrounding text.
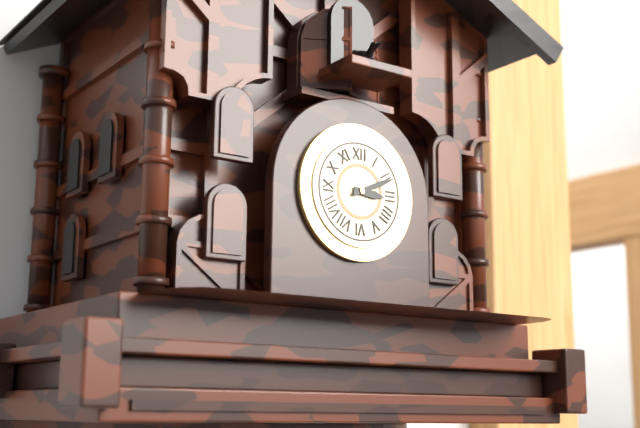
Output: h=3 m=11
